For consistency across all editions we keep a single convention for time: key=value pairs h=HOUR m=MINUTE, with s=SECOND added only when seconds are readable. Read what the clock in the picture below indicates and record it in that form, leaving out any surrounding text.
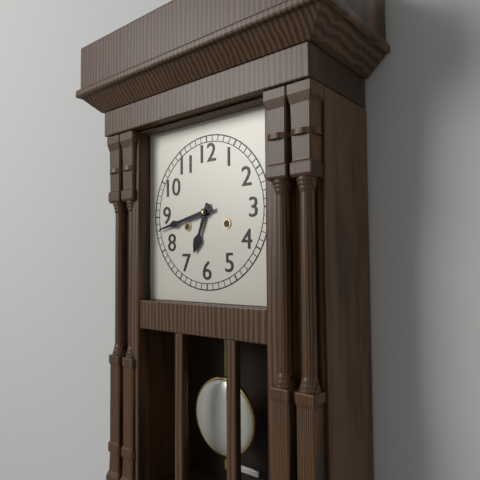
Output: h=6 m=43
